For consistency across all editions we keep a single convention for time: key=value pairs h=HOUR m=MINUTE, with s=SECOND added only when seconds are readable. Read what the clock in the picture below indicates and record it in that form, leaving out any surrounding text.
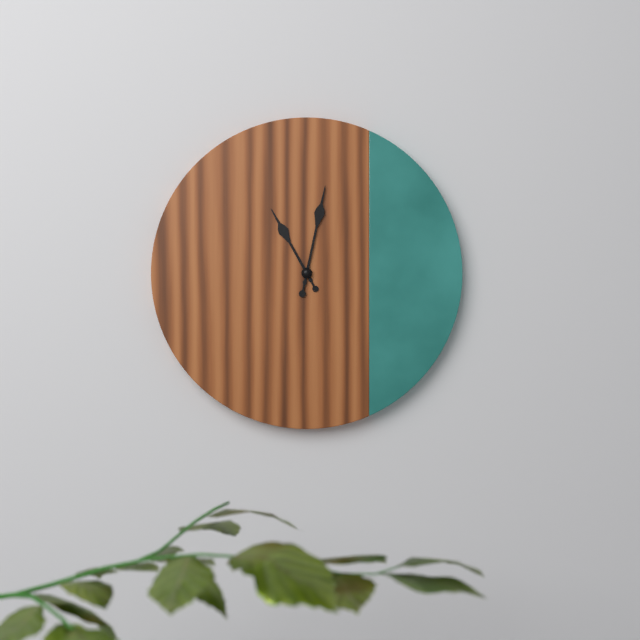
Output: h=11 m=2
